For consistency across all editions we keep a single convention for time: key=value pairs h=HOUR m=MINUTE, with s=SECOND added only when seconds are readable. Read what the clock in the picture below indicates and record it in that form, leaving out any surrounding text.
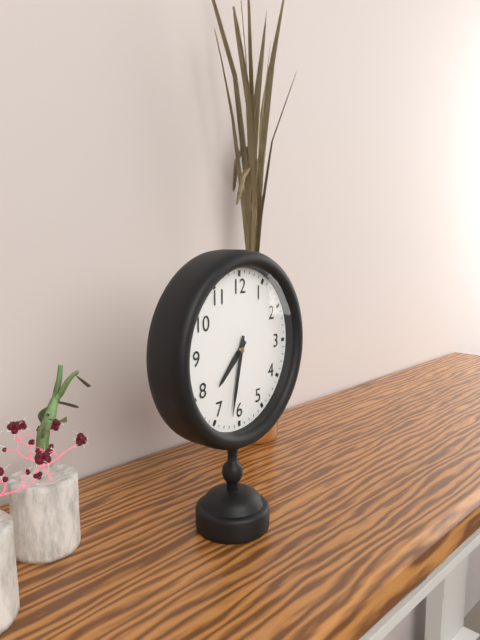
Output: h=7 m=32
